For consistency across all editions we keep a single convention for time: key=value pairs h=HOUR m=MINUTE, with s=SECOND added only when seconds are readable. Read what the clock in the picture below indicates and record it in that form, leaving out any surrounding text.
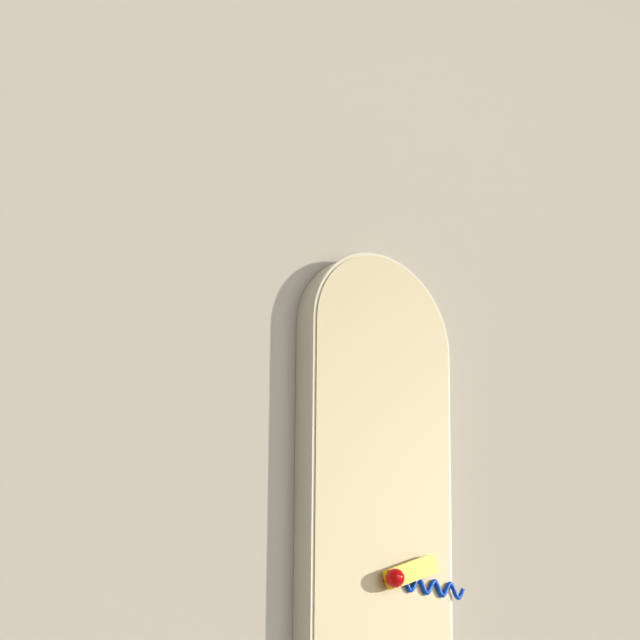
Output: h=2 m=15
